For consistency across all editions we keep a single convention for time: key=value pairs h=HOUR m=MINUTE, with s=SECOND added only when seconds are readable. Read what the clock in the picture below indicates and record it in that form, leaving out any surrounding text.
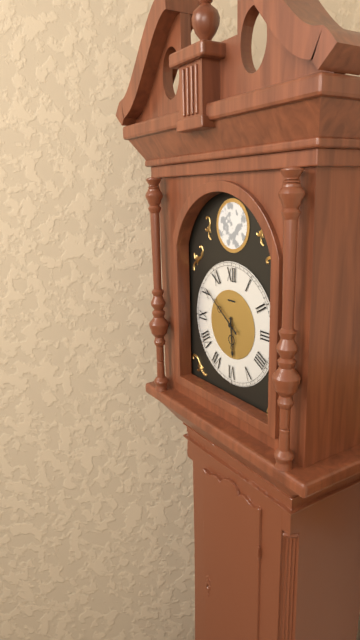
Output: h=5 m=51
